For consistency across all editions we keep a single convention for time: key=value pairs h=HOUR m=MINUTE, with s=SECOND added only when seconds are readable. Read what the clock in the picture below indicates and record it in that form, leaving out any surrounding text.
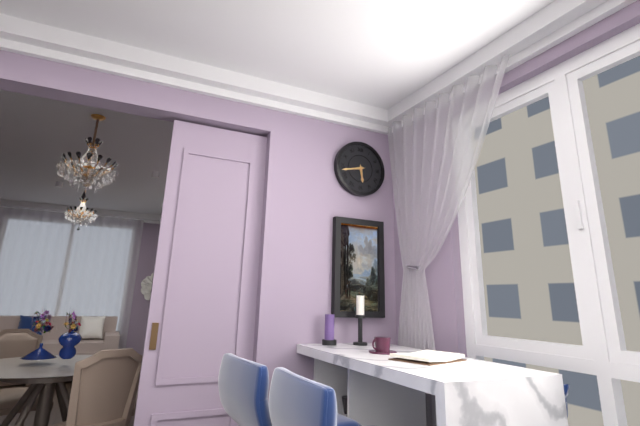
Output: h=5 m=43
